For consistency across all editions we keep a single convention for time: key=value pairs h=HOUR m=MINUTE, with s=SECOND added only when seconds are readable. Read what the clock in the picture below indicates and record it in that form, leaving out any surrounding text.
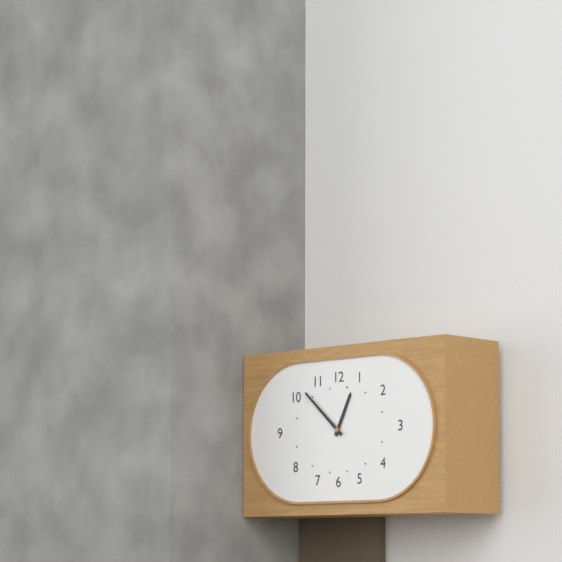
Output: h=12 m=52
